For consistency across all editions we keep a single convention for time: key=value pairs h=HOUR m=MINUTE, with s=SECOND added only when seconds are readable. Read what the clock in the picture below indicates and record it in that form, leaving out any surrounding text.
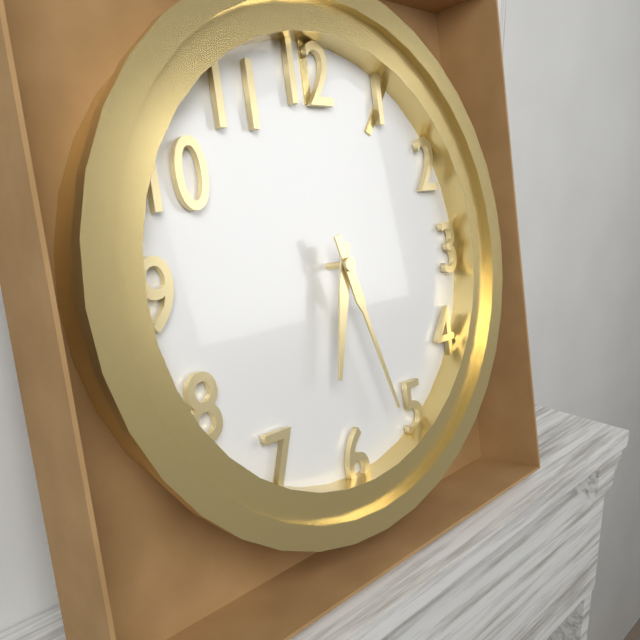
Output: h=6 m=27
